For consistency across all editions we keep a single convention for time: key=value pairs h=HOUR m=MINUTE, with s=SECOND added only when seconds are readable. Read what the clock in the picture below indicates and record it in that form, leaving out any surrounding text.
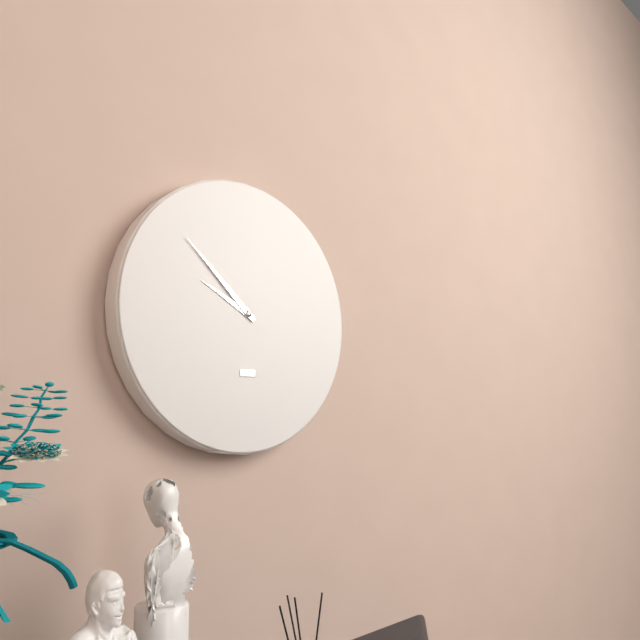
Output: h=9 m=52
